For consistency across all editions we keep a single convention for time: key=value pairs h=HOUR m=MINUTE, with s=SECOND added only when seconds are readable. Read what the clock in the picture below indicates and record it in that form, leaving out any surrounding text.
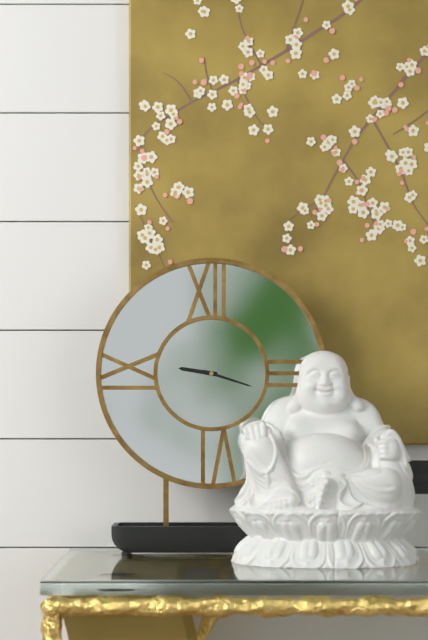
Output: h=9 m=18
